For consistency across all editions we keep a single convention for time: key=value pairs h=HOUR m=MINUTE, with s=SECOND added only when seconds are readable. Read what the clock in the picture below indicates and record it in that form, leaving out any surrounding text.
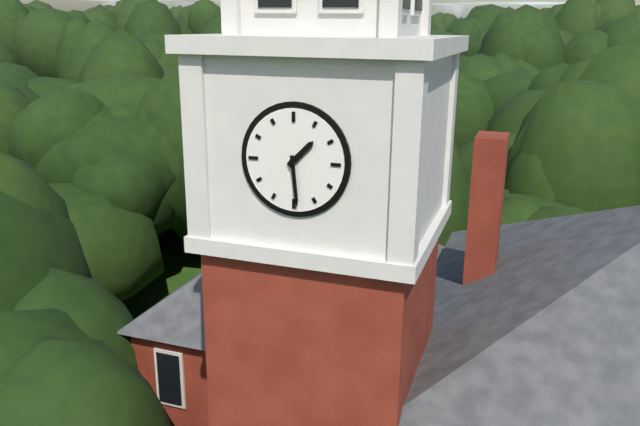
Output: h=1 m=29
